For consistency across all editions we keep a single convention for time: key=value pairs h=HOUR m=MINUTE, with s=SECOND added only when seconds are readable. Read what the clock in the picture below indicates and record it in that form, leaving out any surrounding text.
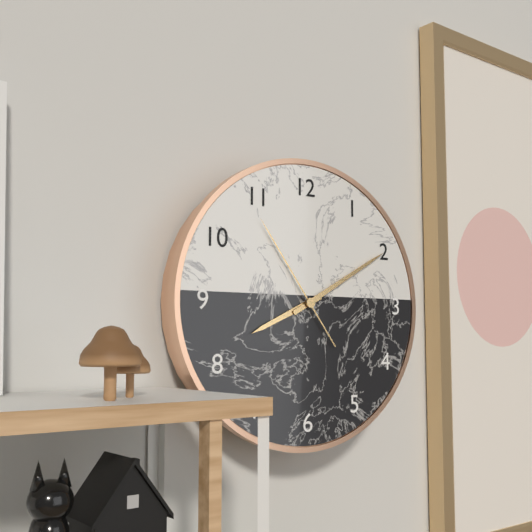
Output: h=8 m=10 s=54
